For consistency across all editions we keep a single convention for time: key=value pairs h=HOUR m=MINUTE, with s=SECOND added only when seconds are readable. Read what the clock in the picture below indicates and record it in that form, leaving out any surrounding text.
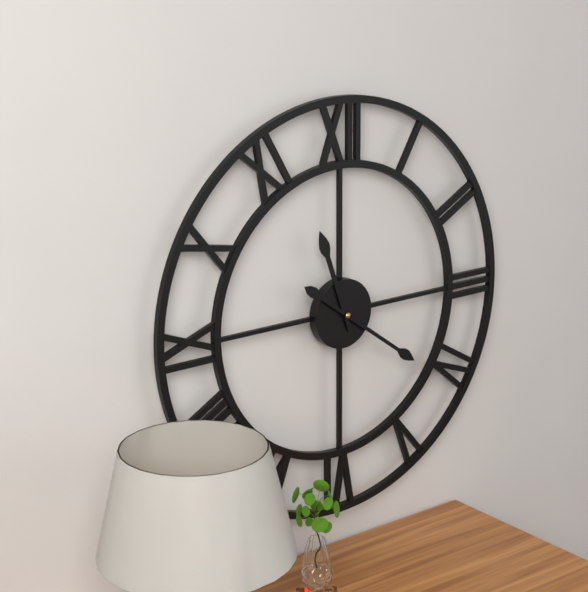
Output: h=11 m=21
